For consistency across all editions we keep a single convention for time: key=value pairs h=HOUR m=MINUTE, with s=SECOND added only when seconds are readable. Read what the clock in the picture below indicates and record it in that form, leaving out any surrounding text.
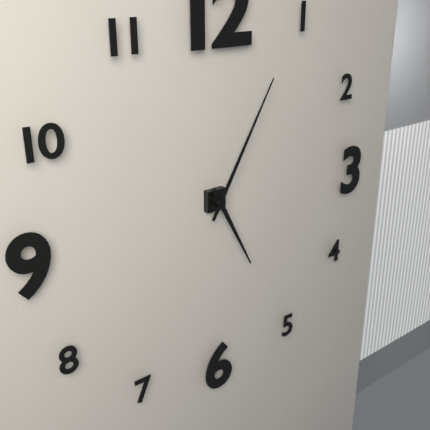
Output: h=5 m=5
